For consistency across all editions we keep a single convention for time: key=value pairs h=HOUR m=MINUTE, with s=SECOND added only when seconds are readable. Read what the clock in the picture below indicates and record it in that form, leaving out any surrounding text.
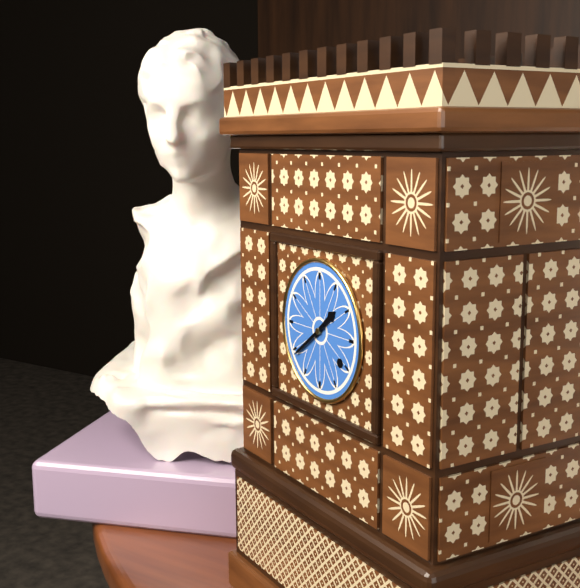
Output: h=1 m=39
